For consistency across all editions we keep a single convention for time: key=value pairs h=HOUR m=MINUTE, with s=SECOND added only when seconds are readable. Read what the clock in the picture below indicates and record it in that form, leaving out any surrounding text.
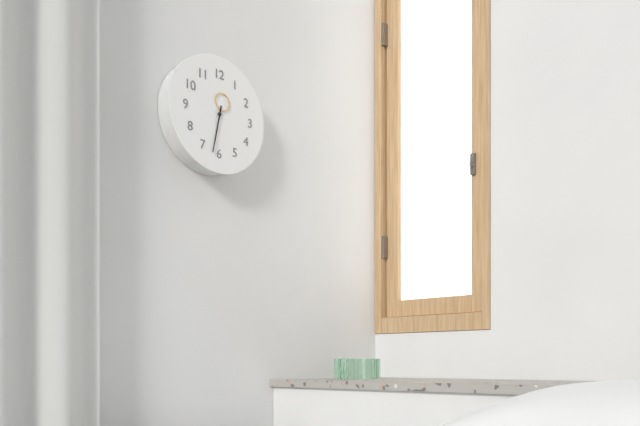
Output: h=12 m=32
